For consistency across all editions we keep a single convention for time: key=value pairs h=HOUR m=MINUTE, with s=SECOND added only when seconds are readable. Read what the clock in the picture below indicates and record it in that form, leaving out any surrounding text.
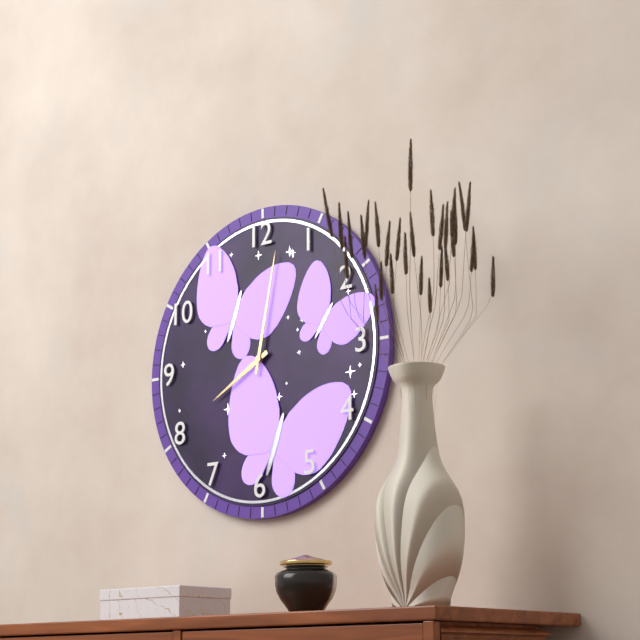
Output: h=8 m=2
